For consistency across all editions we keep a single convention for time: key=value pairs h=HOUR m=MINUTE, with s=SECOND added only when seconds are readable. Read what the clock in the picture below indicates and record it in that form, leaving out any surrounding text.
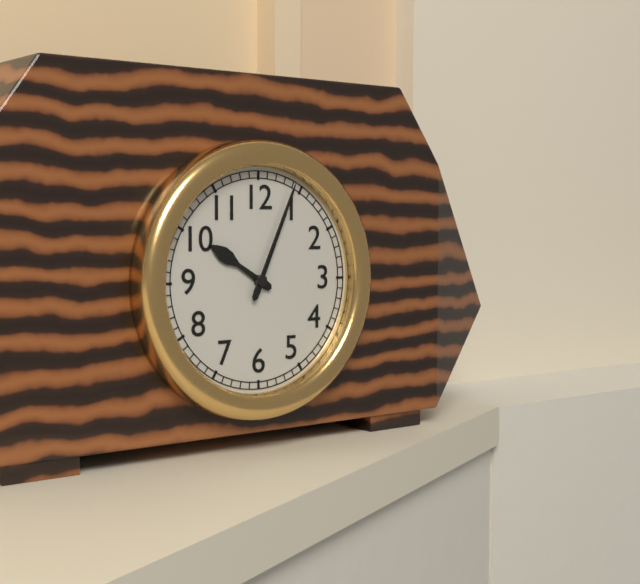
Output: h=10 m=4
